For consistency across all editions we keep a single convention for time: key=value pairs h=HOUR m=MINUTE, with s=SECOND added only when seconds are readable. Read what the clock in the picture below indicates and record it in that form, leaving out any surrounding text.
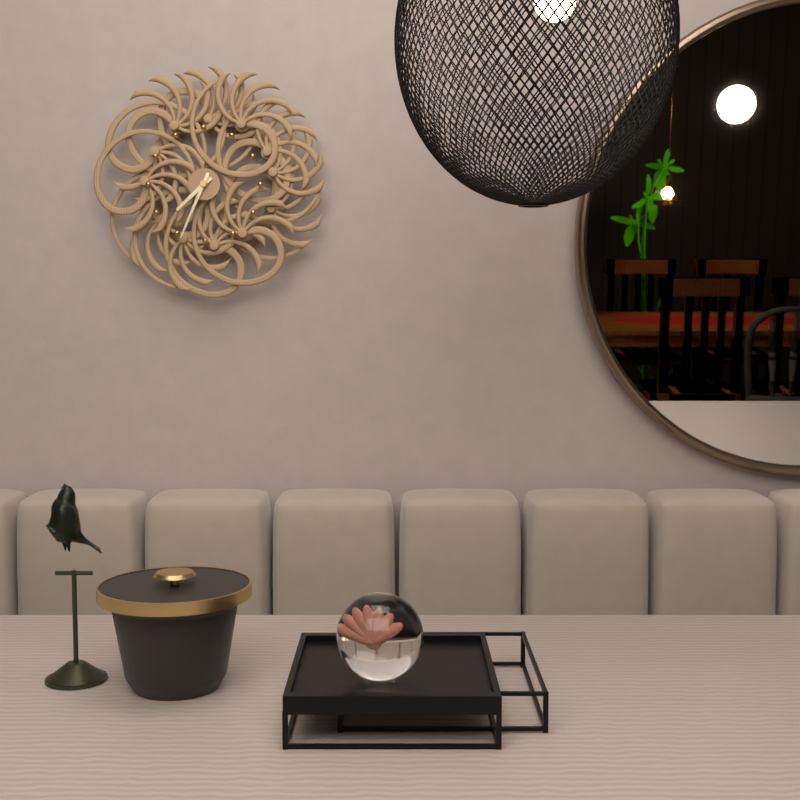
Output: h=7 m=34
